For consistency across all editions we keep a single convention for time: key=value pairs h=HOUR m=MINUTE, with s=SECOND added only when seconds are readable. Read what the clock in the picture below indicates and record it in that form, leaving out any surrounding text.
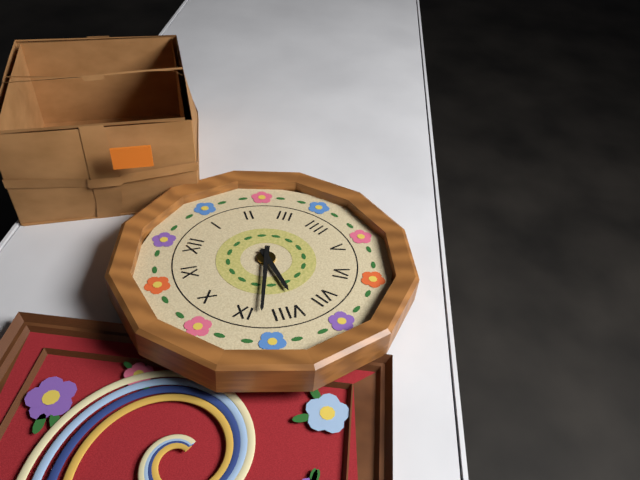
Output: h=7 m=43
